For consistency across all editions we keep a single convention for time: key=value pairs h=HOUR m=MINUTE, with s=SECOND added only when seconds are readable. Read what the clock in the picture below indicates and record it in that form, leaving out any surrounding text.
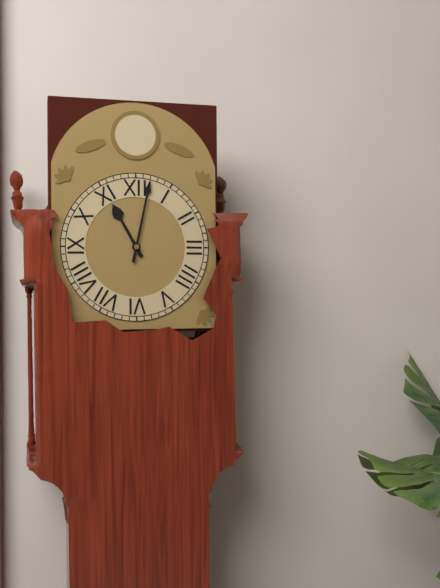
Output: h=11 m=2
